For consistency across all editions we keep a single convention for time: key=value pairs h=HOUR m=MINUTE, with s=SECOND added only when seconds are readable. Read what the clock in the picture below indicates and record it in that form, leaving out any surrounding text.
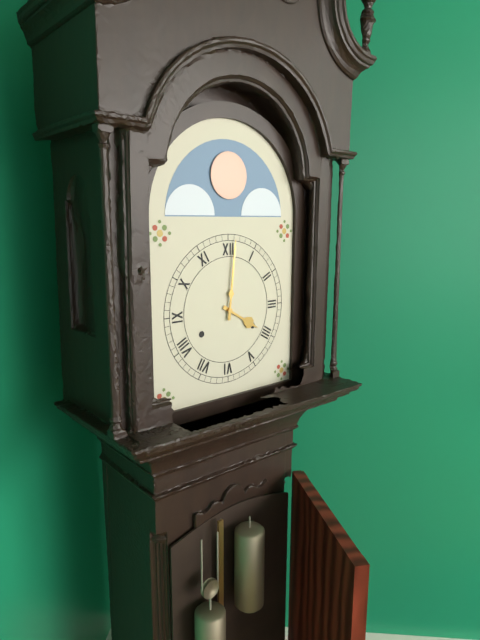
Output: h=4 m=1
